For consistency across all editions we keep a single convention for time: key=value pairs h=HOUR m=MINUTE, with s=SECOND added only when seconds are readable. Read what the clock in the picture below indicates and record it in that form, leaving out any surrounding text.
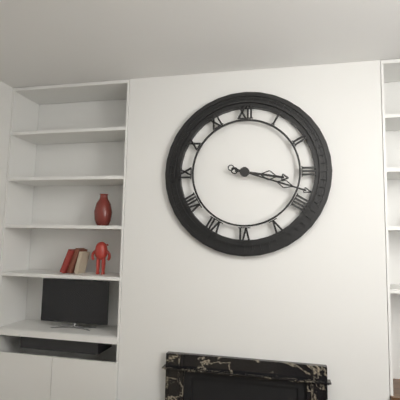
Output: h=3 m=18
